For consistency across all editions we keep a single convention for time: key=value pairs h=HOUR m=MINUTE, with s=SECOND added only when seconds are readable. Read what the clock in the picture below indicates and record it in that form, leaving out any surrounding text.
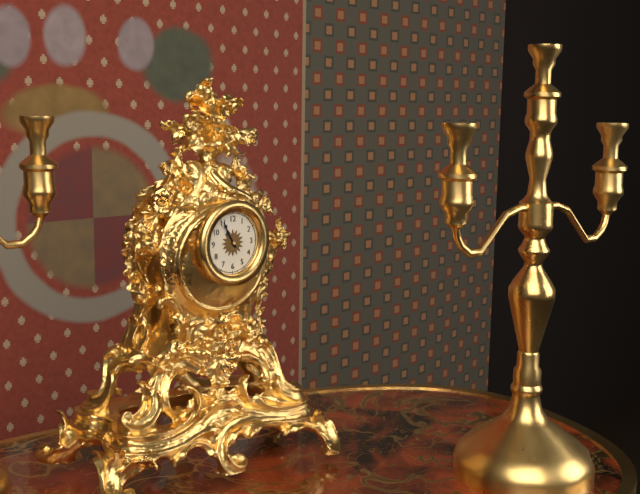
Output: h=10 m=55
